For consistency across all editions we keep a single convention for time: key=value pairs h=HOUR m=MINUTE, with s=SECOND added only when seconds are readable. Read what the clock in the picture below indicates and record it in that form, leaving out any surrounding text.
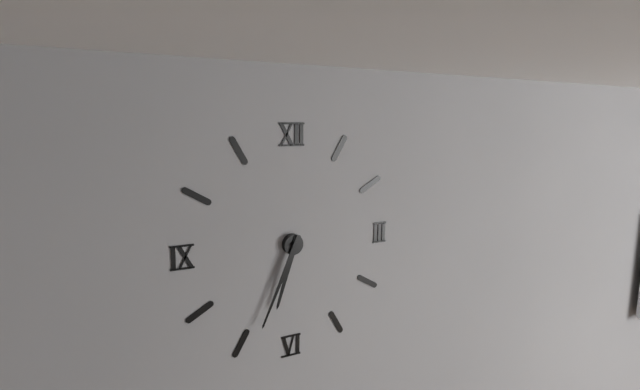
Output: h=6 m=34
